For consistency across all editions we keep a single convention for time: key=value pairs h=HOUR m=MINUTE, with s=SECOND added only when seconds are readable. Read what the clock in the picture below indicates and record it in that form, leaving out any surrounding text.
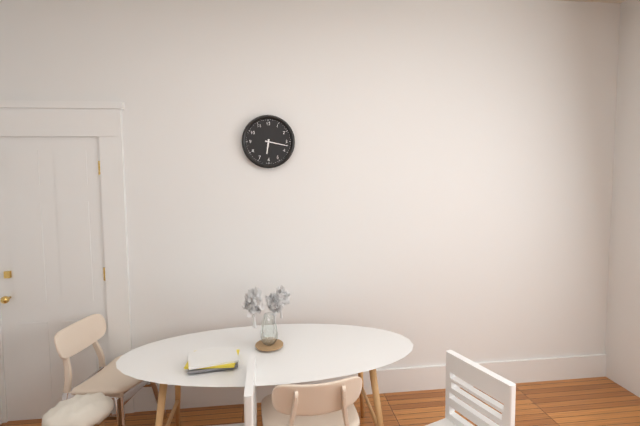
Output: h=6 m=17
